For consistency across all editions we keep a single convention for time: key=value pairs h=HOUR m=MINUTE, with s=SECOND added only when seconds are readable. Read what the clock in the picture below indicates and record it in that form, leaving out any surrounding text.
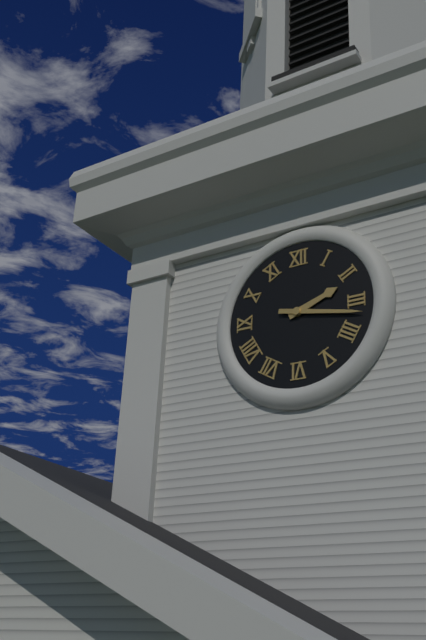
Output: h=2 m=17
